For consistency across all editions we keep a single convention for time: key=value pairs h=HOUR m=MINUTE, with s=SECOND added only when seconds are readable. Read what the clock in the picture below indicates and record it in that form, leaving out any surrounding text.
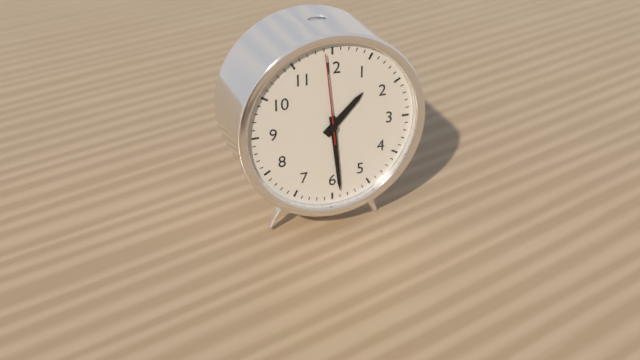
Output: h=1 m=29 s=59
